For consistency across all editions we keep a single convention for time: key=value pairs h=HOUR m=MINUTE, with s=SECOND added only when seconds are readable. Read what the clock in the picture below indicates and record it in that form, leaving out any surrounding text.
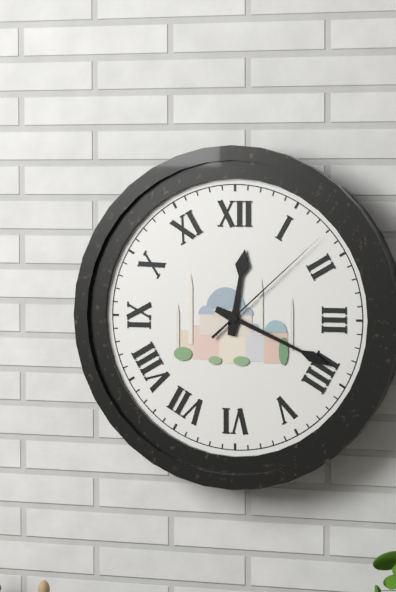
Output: h=12 m=19 s=8
